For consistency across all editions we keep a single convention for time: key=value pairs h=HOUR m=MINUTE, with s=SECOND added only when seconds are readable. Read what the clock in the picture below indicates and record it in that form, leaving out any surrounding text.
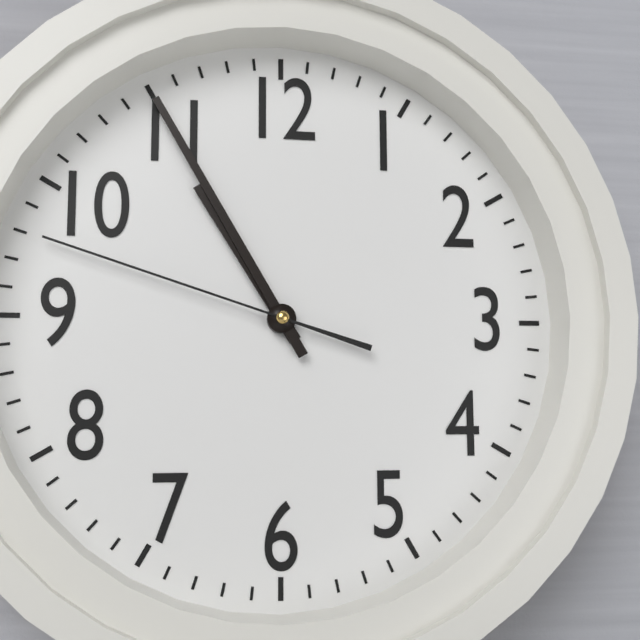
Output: h=10 m=55 s=48
